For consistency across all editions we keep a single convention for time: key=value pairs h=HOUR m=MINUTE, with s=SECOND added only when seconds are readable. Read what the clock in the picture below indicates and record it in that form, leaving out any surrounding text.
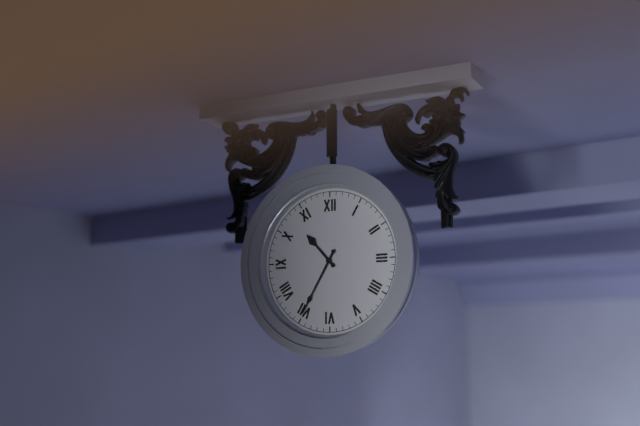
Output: h=10 m=35
